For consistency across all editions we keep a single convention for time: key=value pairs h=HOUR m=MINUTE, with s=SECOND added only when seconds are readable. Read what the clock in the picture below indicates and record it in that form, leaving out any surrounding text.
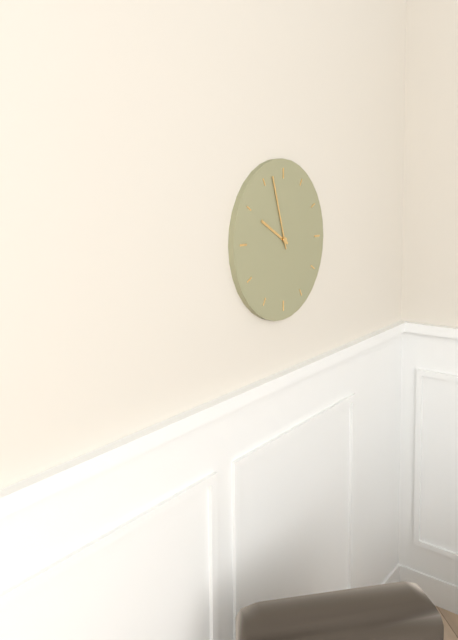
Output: h=9 m=57
